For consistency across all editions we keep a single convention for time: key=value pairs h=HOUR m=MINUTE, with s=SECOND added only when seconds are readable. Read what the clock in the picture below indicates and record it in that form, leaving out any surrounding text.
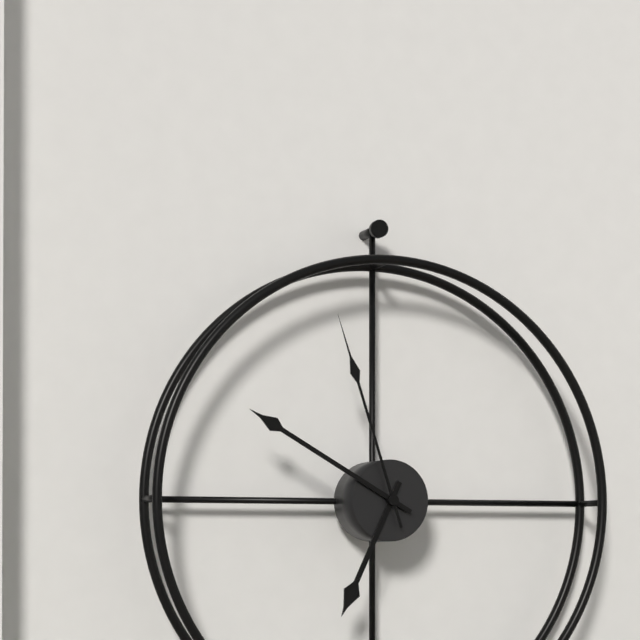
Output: h=6 m=50 s=57
